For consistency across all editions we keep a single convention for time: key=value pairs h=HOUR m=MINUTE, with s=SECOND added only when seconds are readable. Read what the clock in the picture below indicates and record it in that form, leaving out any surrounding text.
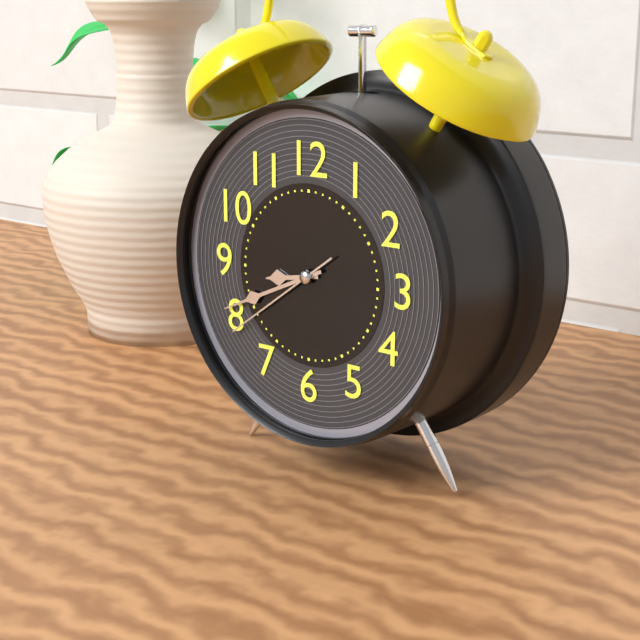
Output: h=8 m=41 s=39
